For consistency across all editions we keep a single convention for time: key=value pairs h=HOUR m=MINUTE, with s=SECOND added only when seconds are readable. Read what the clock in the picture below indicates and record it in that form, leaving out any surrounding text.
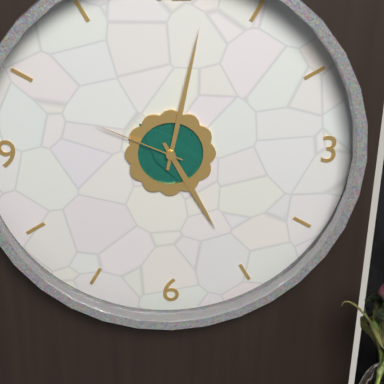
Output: h=5 m=2 s=49
